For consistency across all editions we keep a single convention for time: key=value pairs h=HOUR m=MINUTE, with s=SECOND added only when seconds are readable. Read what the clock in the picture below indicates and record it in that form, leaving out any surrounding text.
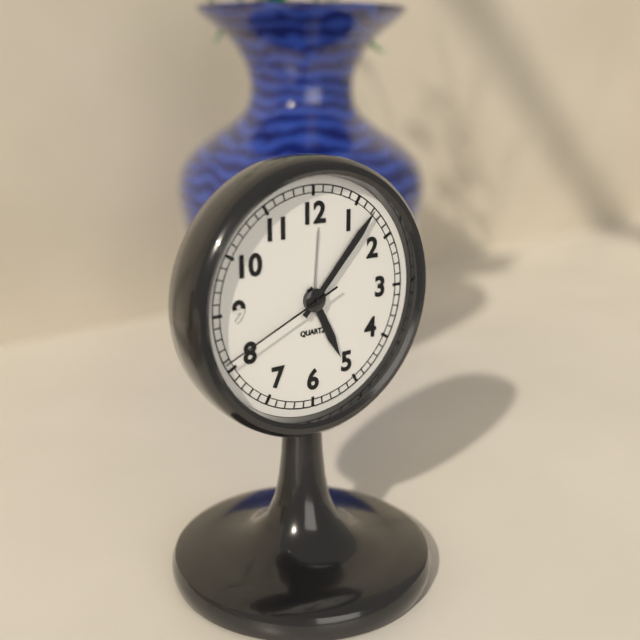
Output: h=5 m=7 s=41
